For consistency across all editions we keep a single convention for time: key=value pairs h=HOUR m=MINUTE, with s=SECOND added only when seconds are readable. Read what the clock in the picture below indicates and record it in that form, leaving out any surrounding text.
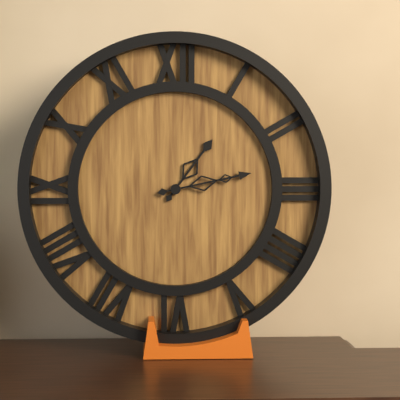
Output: h=1 m=13
